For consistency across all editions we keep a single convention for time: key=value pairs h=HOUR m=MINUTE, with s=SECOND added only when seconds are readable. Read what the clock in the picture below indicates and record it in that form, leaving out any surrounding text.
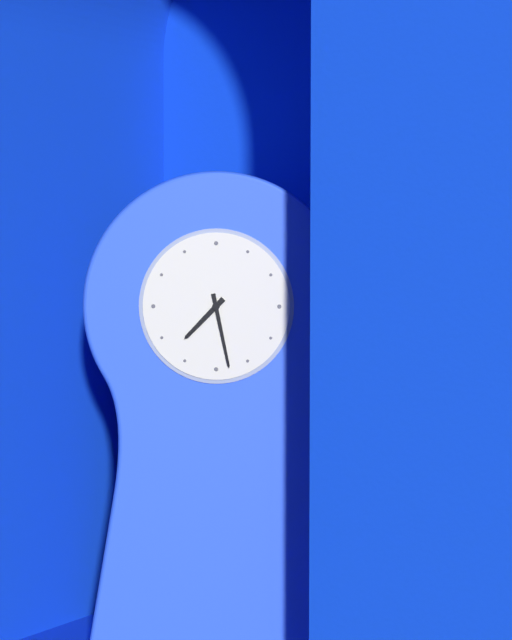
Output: h=7 m=28
